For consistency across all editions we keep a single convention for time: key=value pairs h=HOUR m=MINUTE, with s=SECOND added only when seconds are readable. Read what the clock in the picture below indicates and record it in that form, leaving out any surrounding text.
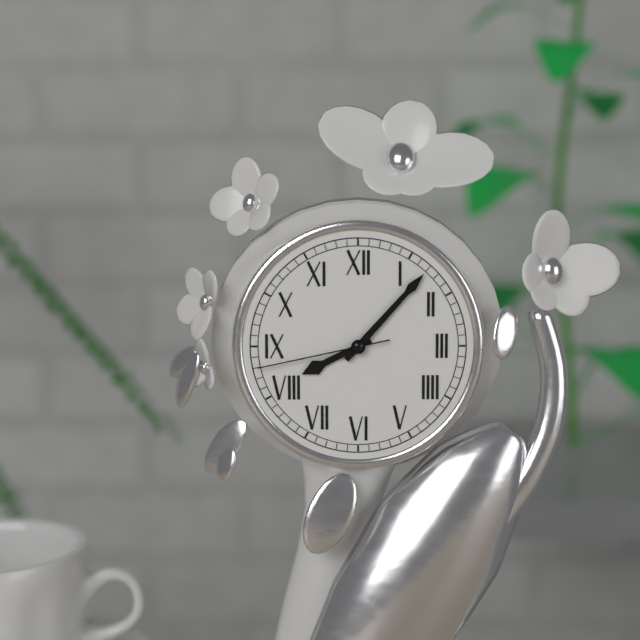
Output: h=8 m=7 s=43
